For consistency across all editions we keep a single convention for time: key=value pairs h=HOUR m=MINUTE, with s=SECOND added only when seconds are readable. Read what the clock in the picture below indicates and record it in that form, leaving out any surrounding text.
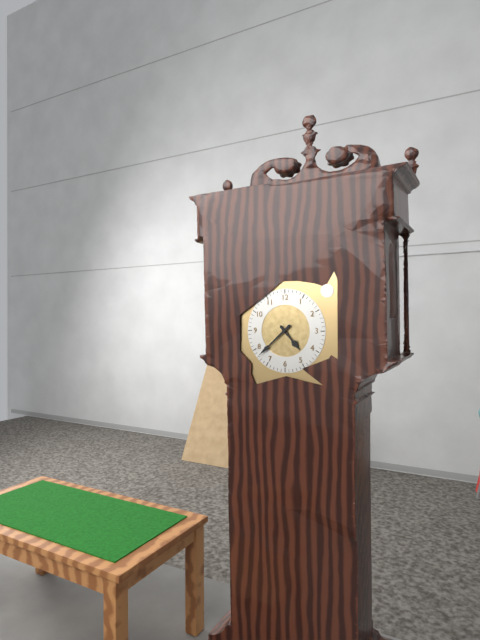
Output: h=4 m=38
